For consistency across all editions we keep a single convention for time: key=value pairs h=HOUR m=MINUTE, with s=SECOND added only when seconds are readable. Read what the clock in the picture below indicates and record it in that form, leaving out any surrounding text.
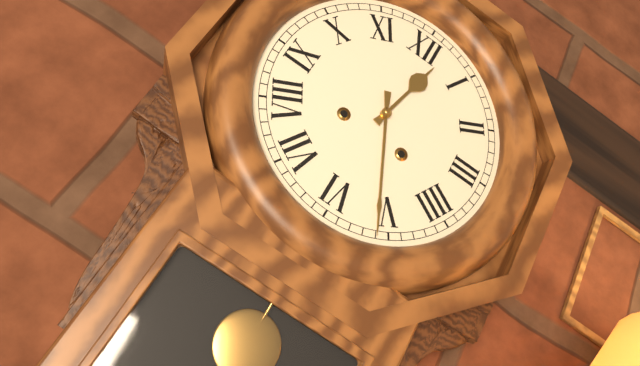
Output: h=12 m=26
